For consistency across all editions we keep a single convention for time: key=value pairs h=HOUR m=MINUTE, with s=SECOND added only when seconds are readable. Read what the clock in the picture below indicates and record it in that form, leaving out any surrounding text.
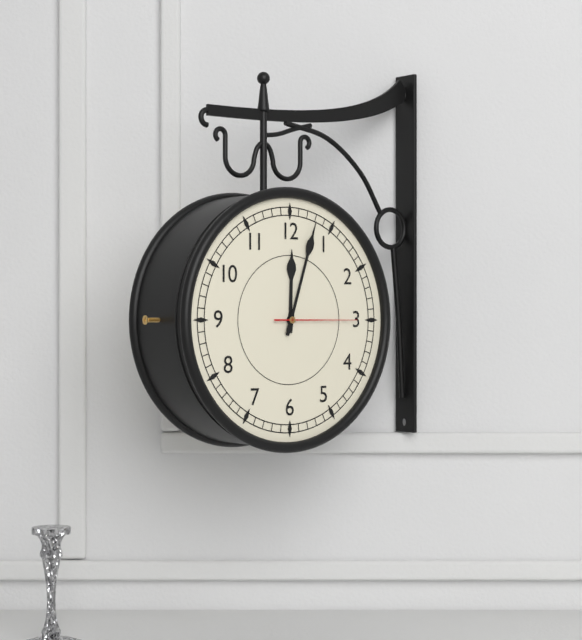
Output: h=12 m=3 s=15
